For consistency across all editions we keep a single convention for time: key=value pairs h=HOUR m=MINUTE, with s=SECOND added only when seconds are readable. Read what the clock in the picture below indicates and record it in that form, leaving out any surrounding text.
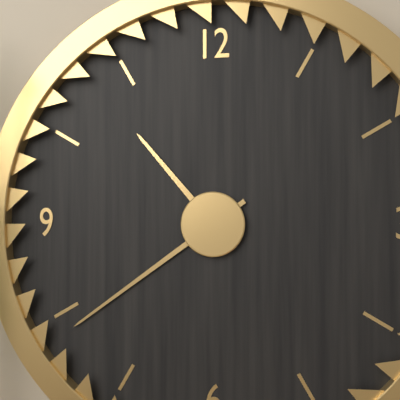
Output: h=10 m=39
